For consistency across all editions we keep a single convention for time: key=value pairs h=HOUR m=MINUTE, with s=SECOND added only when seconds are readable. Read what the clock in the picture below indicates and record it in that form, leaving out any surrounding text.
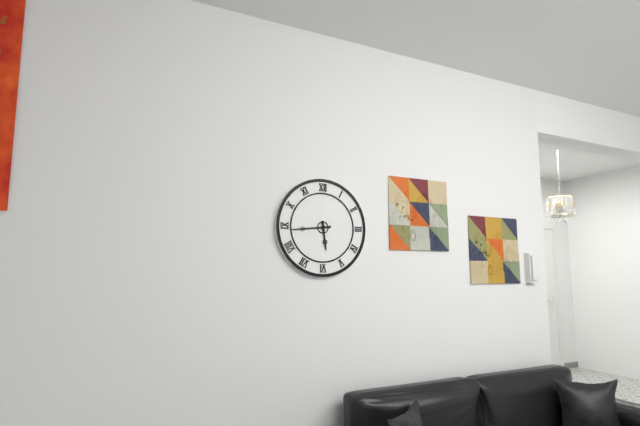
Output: h=5 m=44
